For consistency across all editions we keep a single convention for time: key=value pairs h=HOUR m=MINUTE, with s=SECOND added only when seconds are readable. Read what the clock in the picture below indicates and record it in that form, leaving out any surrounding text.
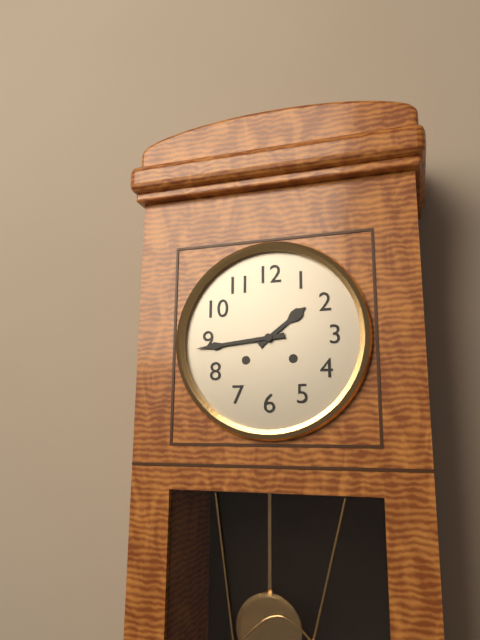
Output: h=1 m=44
